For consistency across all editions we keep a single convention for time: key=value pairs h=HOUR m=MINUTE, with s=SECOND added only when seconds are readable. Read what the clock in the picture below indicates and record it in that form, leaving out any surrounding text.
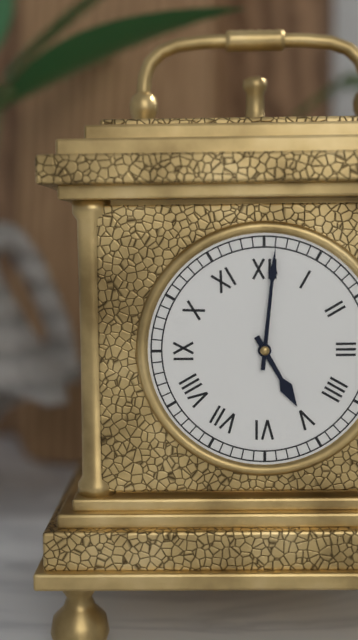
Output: h=5 m=1
